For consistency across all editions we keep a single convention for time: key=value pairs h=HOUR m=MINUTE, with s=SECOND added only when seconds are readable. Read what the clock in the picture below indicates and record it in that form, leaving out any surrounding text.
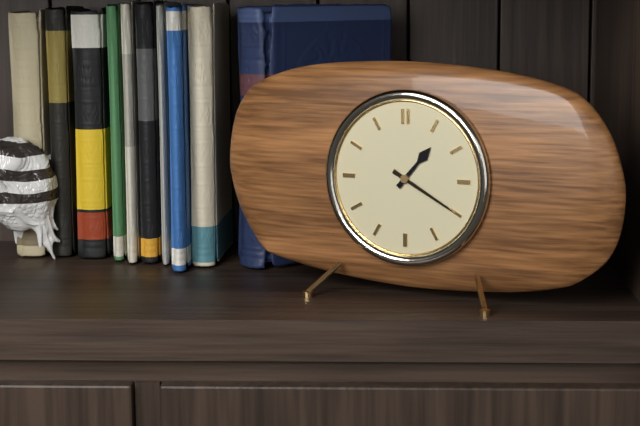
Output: h=1 m=20
